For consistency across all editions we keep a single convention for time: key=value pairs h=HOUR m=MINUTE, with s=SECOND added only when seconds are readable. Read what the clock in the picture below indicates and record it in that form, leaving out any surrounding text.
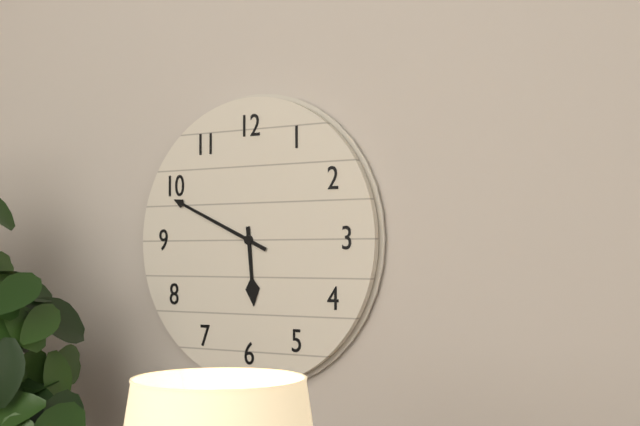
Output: h=5 m=49
